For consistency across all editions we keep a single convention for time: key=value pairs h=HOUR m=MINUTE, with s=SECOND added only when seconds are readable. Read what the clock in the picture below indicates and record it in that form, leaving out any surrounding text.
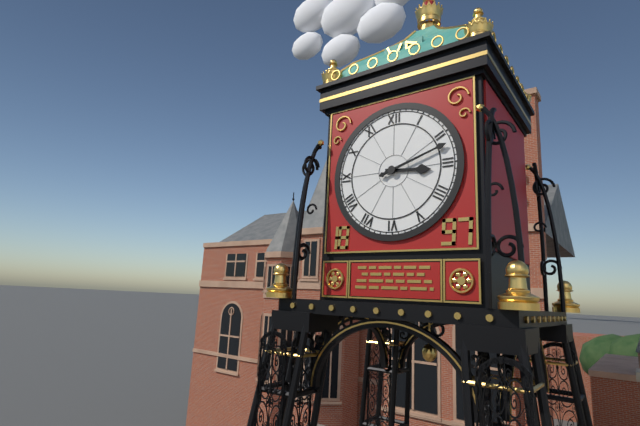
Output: h=3 m=12
